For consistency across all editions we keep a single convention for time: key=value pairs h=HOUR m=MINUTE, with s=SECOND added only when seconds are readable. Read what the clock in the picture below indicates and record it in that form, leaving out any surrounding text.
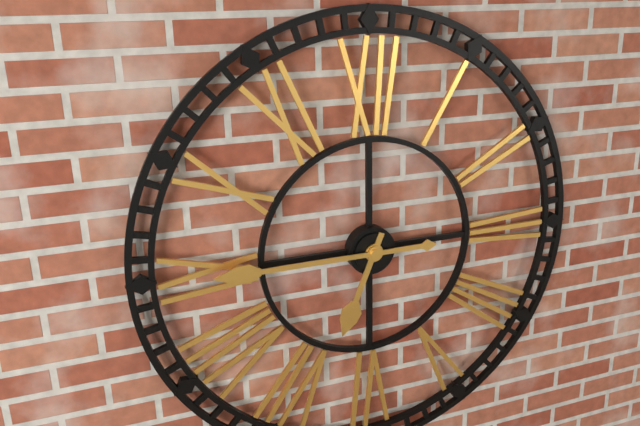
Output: h=6 m=45
